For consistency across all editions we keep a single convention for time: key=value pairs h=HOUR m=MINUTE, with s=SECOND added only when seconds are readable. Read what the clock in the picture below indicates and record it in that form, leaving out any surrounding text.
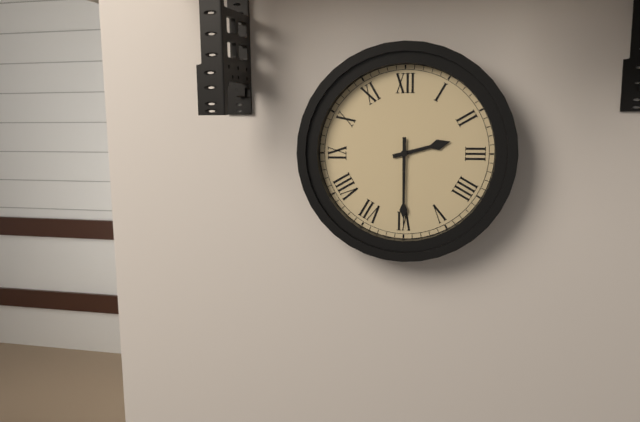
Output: h=2 m=30
